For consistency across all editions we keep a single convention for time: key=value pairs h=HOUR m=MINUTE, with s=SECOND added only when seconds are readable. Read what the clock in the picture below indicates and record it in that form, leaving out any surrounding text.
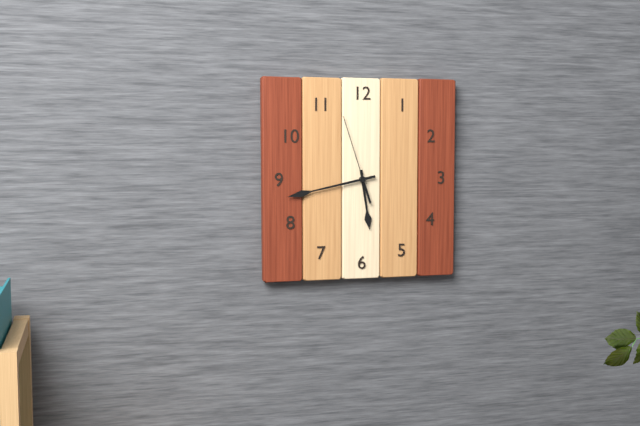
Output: h=5 m=43 s=57
